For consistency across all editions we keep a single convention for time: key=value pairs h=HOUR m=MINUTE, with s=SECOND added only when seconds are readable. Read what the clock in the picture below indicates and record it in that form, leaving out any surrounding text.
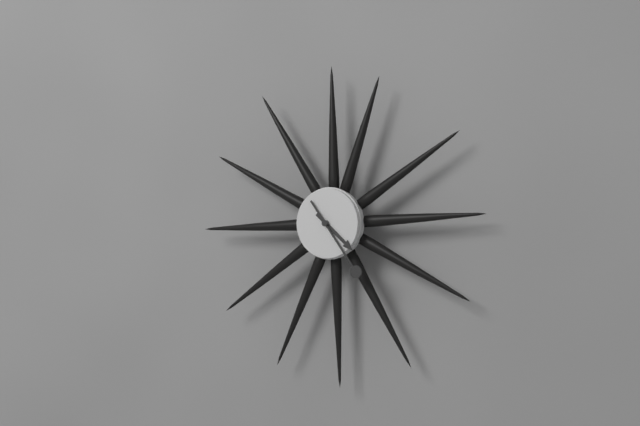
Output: h=4 m=24
